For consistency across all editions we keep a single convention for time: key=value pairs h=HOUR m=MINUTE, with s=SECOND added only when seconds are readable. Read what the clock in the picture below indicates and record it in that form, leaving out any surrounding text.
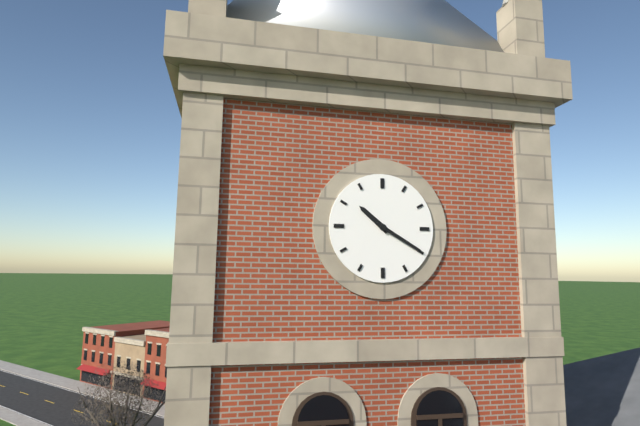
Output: h=10 m=20
